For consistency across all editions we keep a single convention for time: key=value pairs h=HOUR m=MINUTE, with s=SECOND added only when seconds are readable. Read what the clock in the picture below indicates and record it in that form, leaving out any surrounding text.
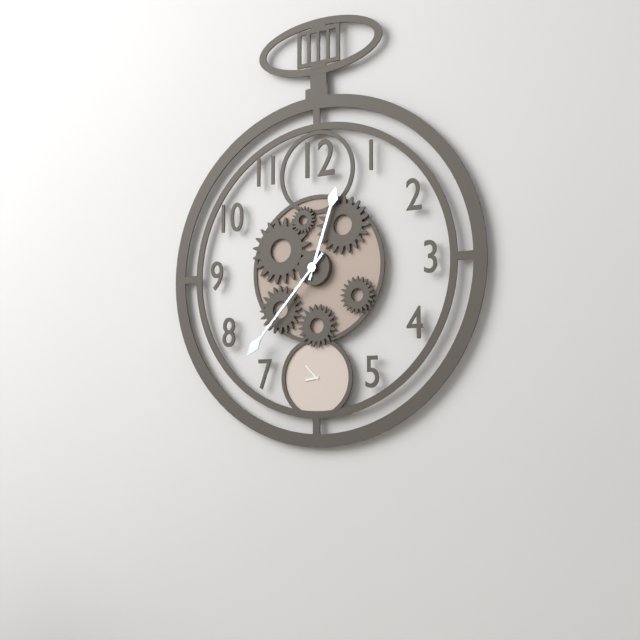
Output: h=12 m=37
